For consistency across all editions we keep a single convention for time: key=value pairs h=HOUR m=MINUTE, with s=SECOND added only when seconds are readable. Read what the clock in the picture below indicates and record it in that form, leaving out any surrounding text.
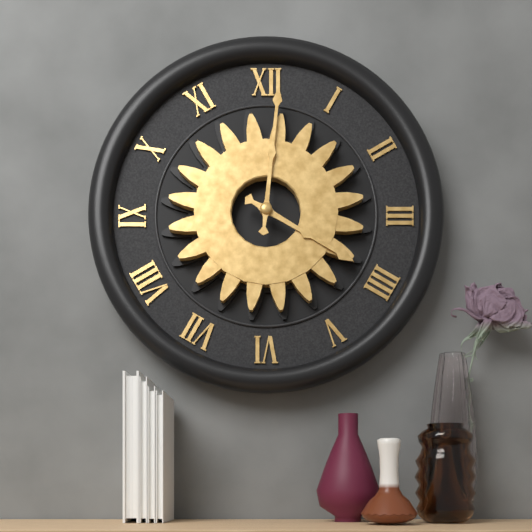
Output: h=4 m=1
